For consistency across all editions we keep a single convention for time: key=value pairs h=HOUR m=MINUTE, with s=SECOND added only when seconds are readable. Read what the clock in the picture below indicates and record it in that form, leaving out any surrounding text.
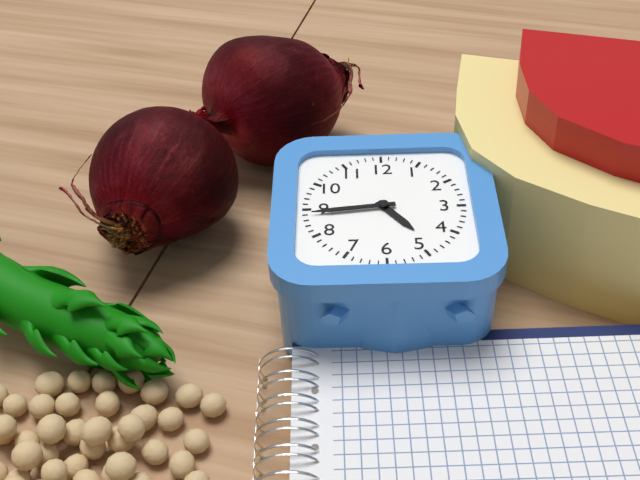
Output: h=4 m=44
